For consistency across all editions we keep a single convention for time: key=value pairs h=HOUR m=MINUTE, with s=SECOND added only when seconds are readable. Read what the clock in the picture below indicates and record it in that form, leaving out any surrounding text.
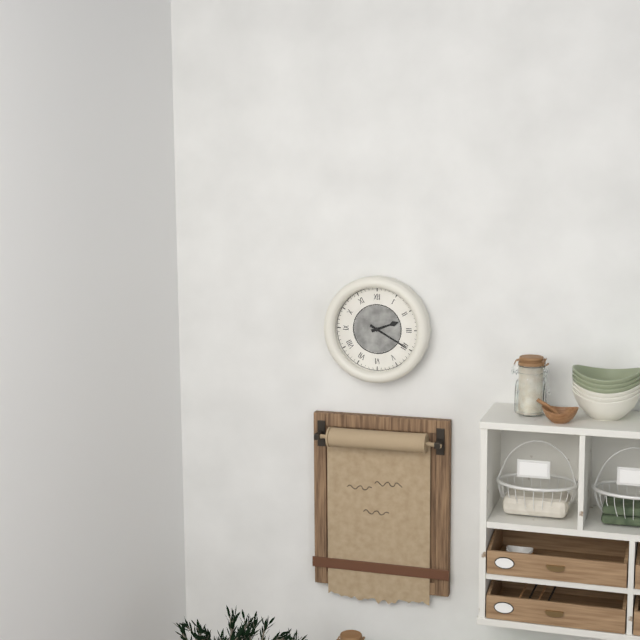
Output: h=2 m=20
